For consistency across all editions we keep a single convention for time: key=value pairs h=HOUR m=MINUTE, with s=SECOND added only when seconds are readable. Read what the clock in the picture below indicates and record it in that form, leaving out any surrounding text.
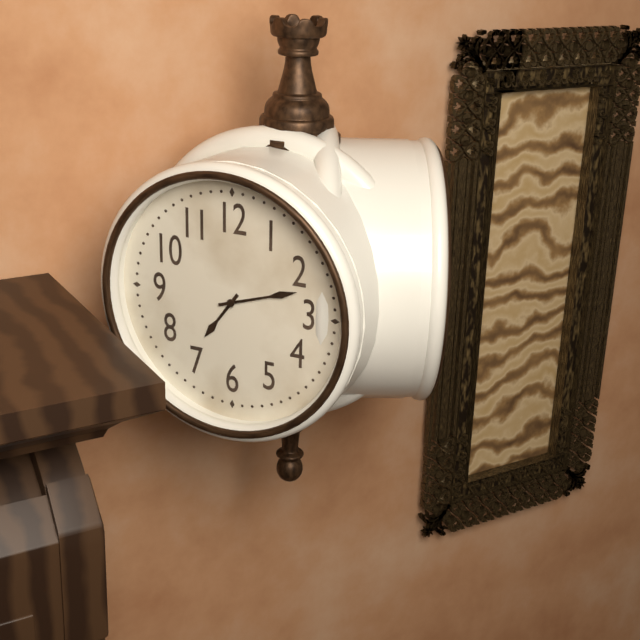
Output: h=7 m=12
